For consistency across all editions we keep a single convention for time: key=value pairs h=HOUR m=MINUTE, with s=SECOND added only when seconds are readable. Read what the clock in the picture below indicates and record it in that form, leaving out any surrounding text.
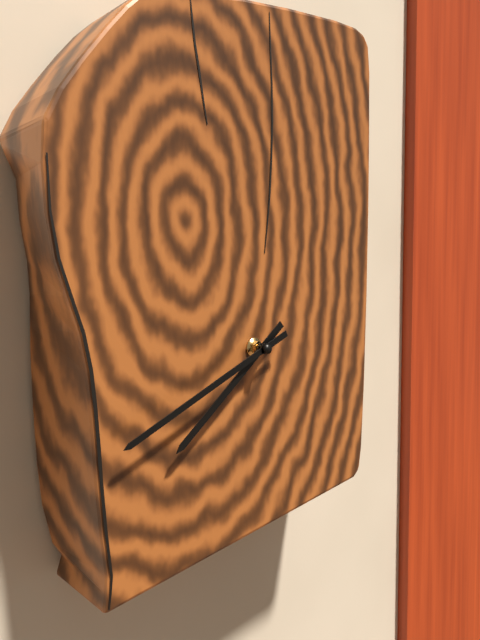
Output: h=7 m=41
